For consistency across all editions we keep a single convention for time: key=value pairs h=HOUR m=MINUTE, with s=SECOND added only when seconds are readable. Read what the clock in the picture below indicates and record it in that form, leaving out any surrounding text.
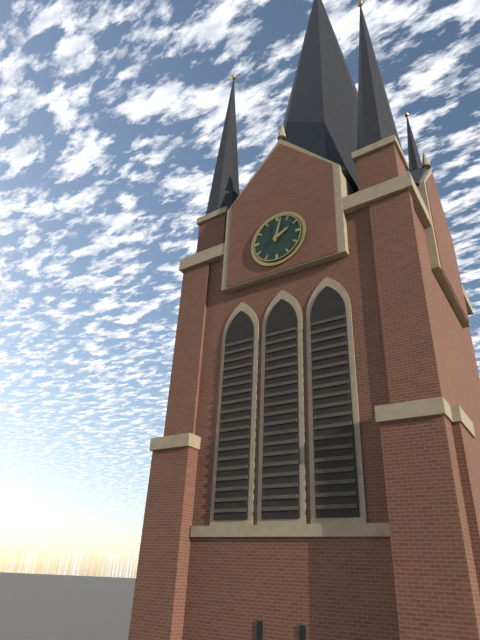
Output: h=2 m=2
